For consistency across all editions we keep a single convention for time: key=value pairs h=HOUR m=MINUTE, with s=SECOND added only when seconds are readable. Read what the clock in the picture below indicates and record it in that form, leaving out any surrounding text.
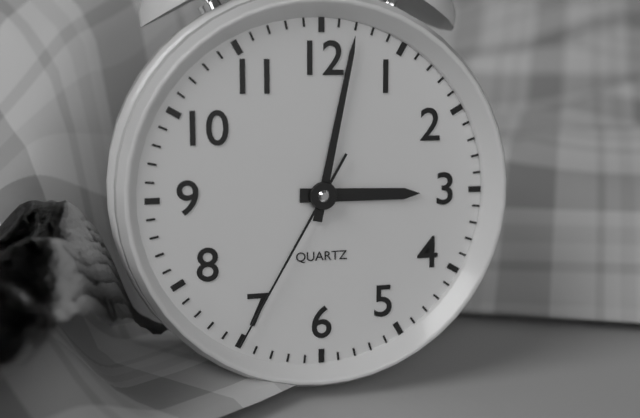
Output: h=3 m=2 s=35
